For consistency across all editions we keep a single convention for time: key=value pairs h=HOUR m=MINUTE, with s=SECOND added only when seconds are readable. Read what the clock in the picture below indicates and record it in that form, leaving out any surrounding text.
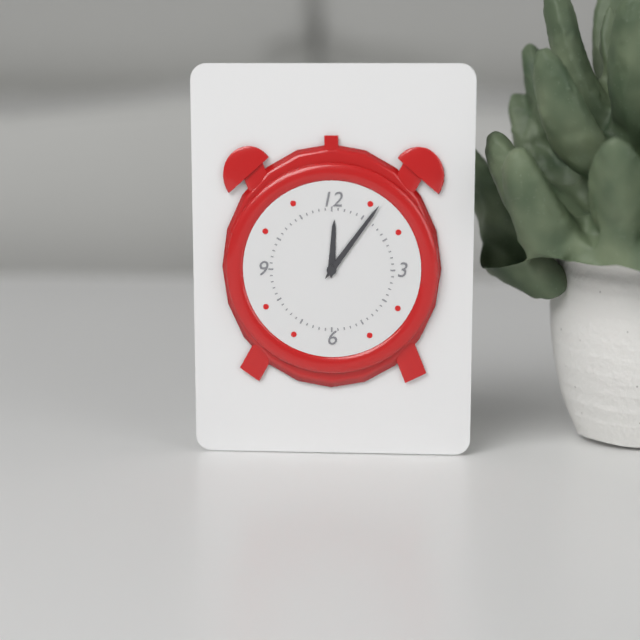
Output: h=12 m=6
